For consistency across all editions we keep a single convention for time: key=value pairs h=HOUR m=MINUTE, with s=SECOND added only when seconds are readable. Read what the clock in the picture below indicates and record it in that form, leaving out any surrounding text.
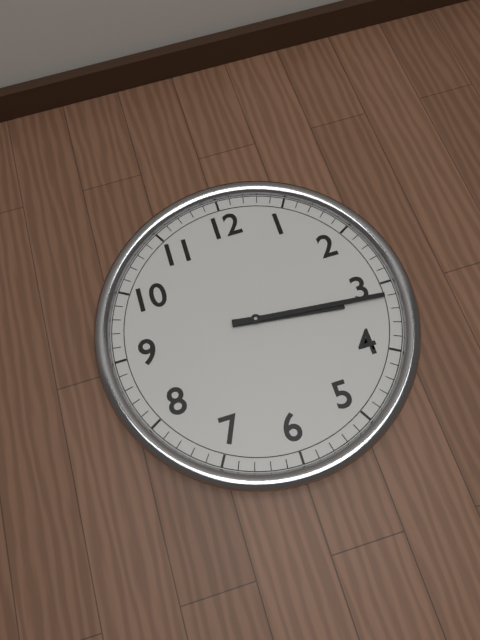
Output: h=3 m=16
